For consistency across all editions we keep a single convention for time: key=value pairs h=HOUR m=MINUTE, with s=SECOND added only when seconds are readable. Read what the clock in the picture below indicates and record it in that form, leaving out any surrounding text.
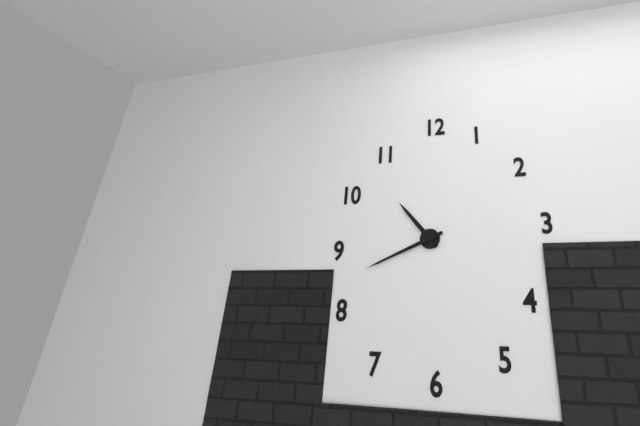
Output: h=10 m=41
